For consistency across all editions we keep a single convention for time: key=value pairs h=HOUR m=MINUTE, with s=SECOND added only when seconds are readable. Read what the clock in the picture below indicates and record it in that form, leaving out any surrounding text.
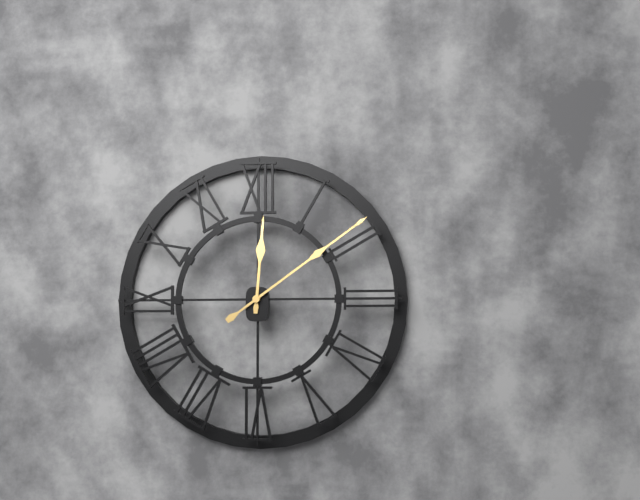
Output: h=12 m=9
